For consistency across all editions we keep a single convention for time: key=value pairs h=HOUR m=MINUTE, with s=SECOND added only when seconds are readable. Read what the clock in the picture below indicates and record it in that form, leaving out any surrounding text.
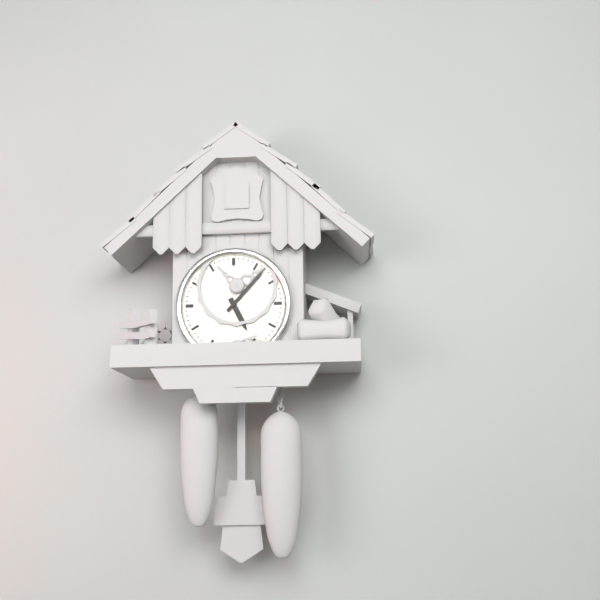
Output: h=5 m=7
